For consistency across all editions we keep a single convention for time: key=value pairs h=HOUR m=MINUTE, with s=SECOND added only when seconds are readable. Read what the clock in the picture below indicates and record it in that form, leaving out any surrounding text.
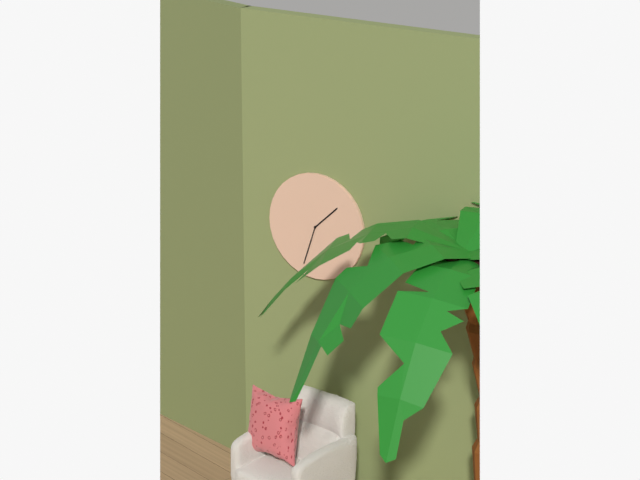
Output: h=1 m=33
